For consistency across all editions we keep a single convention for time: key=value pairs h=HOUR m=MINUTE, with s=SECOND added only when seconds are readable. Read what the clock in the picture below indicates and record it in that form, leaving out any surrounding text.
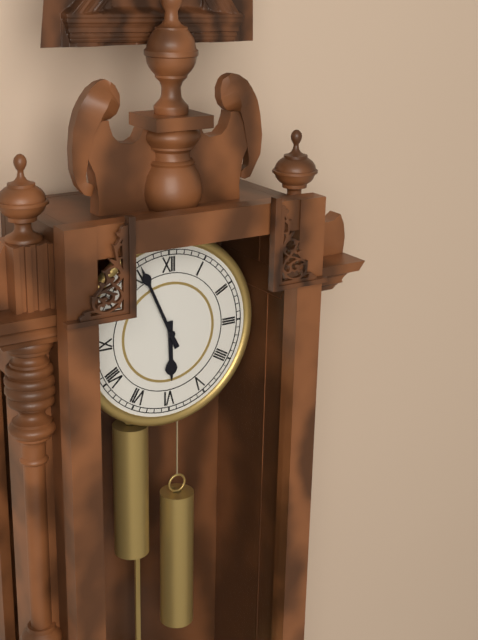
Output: h=5 m=56
